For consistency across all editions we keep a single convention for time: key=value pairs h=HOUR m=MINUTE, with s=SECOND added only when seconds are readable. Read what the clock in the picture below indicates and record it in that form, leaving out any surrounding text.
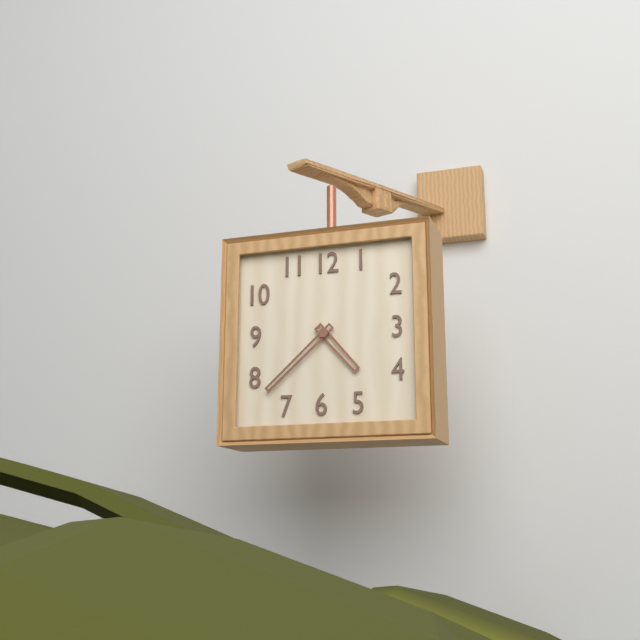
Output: h=4 m=38
